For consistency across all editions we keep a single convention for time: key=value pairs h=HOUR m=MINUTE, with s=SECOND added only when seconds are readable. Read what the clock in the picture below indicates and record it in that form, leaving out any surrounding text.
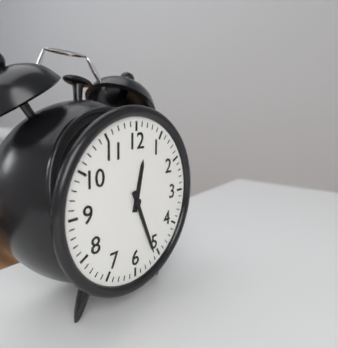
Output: h=12 m=26
